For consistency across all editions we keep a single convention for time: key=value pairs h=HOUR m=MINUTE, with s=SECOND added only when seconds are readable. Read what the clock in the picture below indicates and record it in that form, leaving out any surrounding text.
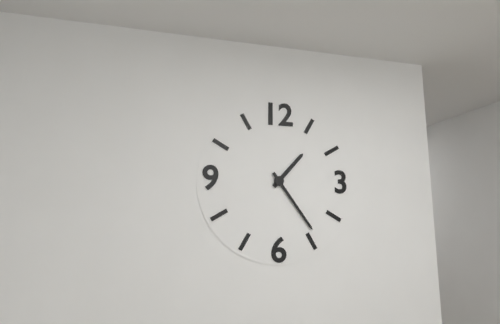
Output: h=1 m=24
